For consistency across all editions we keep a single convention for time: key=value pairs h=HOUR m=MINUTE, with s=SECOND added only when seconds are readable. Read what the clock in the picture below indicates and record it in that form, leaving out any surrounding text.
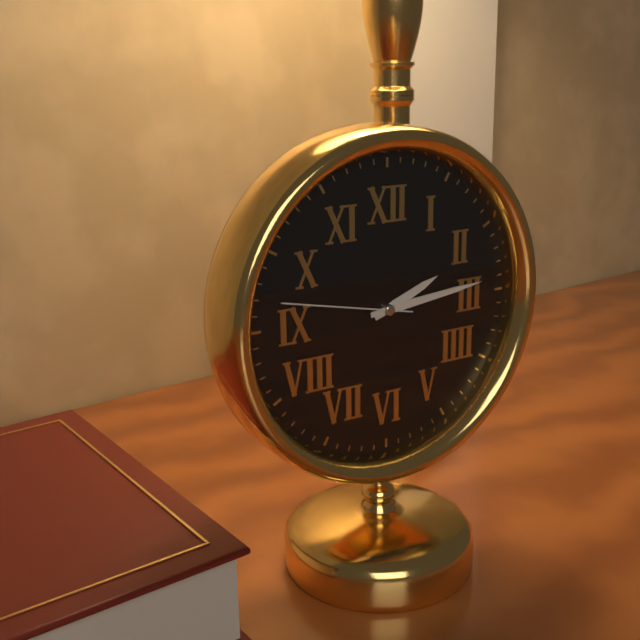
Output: h=2 m=14 s=47
